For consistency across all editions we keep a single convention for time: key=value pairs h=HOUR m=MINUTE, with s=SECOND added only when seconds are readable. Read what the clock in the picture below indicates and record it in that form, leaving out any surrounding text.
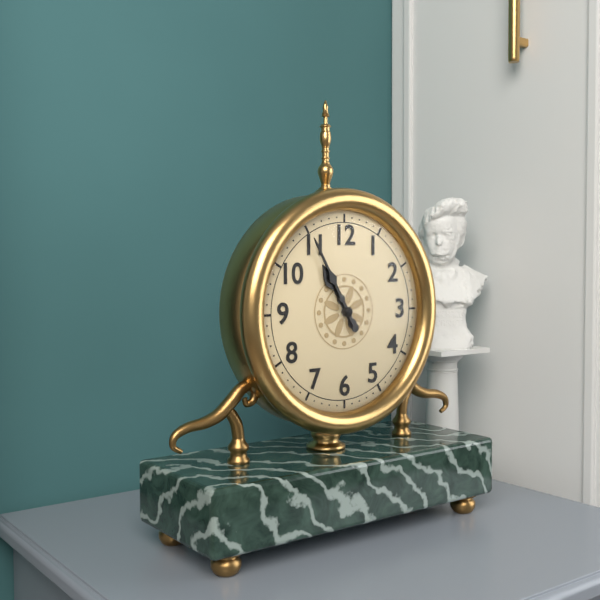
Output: h=10 m=55
